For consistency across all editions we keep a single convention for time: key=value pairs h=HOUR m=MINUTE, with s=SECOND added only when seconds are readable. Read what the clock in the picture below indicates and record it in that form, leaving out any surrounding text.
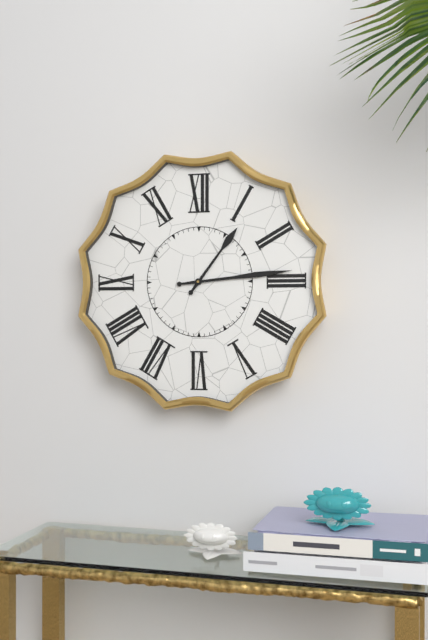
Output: h=1 m=14
